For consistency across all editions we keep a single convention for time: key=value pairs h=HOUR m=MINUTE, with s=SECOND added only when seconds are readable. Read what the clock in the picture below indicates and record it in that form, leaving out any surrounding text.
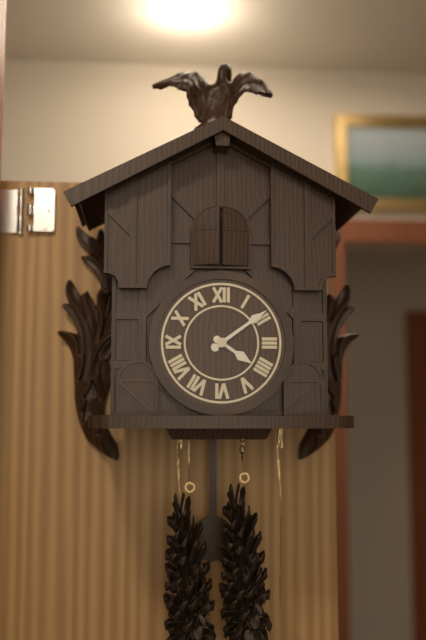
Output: h=4 m=9
